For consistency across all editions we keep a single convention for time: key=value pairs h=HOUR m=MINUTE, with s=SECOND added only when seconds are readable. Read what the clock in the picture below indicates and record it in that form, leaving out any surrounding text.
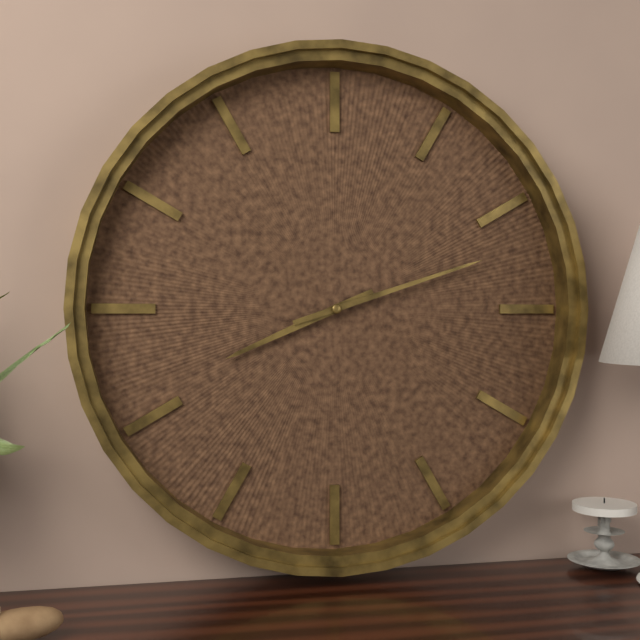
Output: h=8 m=12
